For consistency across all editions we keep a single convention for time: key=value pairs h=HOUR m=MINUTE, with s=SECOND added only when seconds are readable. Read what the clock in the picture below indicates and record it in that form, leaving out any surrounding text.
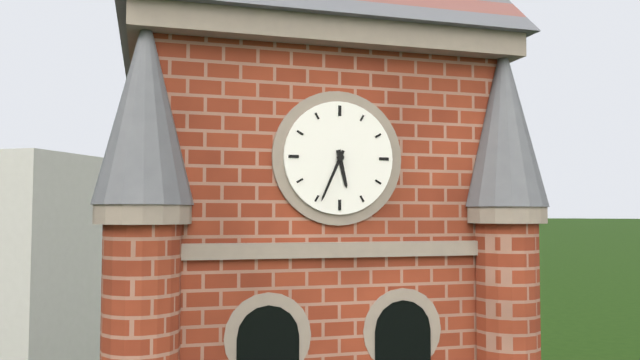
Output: h=5 m=34
